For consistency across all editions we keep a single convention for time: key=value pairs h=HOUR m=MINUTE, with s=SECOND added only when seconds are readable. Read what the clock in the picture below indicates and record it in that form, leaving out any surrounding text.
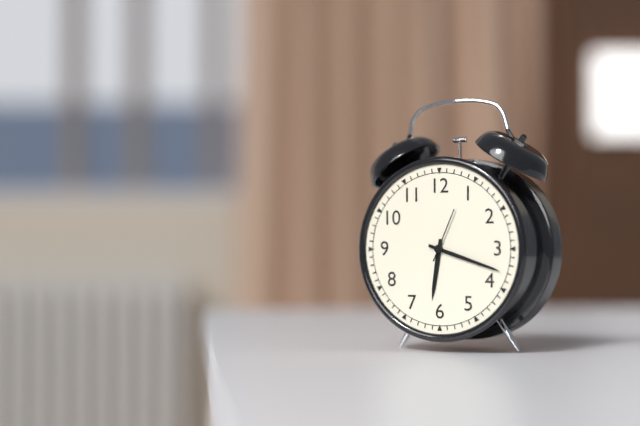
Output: h=6 m=18 s=4
